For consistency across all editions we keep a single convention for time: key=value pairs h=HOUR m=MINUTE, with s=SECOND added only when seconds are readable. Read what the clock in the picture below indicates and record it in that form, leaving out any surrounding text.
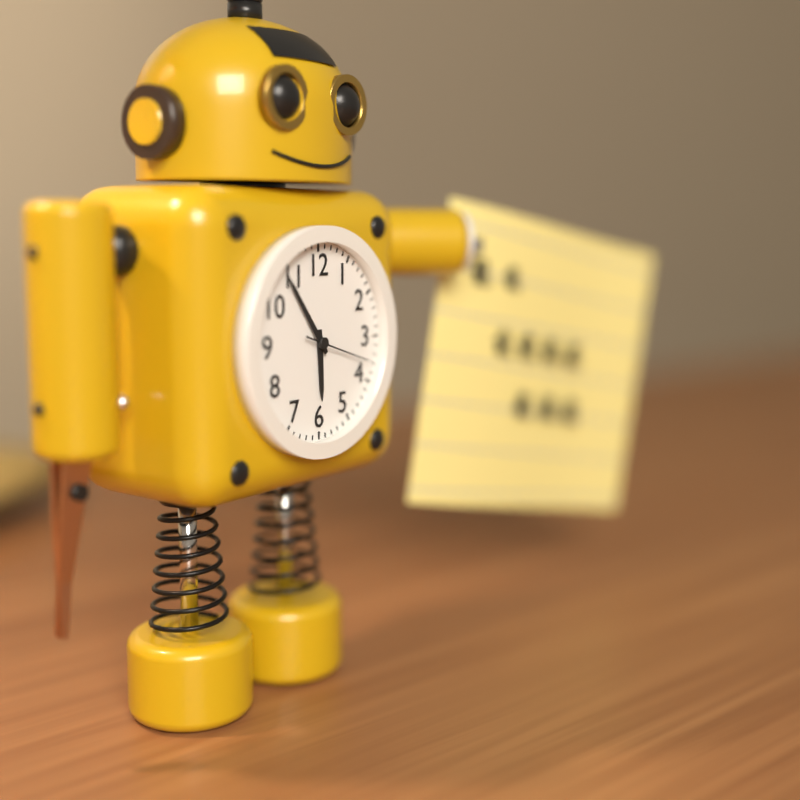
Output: h=5 m=54 s=18
